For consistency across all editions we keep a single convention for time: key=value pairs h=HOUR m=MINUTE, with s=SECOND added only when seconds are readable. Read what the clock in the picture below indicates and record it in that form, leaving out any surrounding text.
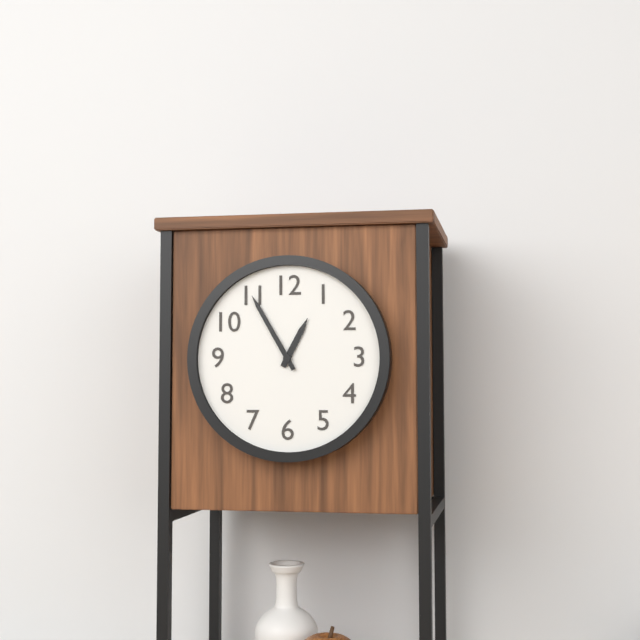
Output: h=12 m=55
